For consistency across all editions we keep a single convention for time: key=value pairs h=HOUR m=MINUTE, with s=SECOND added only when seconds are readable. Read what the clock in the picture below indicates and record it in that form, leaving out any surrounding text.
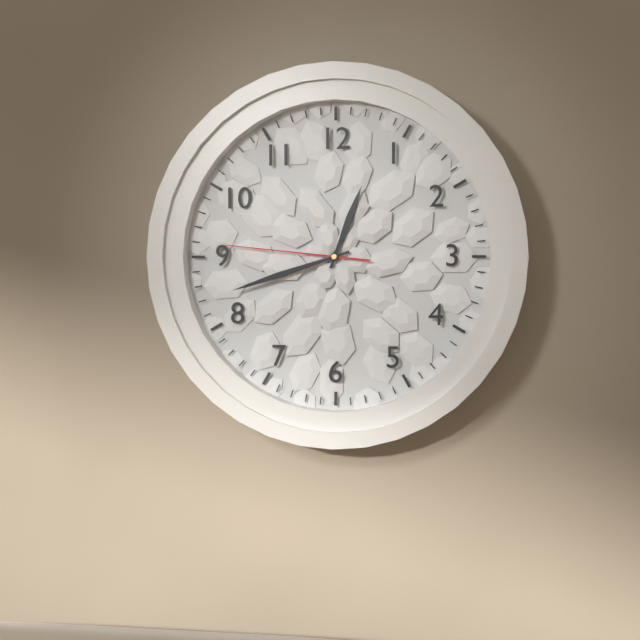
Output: h=12 m=42 s=46
